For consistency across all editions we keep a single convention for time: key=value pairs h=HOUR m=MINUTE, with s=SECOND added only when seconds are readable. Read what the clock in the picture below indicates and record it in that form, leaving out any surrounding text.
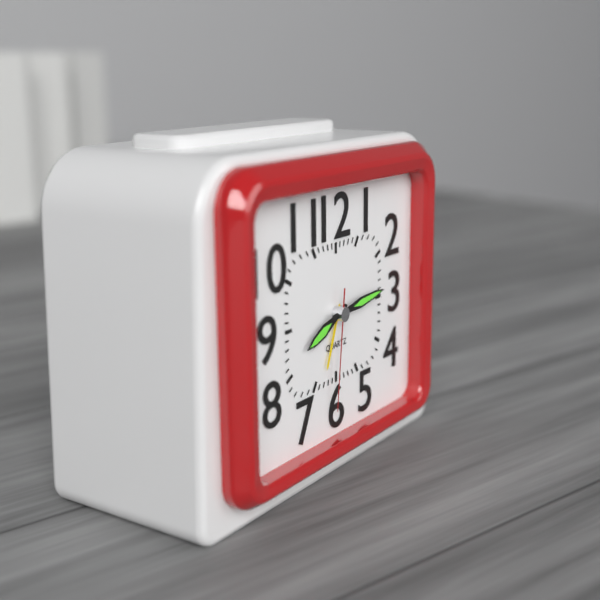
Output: h=8 m=14 s=31
